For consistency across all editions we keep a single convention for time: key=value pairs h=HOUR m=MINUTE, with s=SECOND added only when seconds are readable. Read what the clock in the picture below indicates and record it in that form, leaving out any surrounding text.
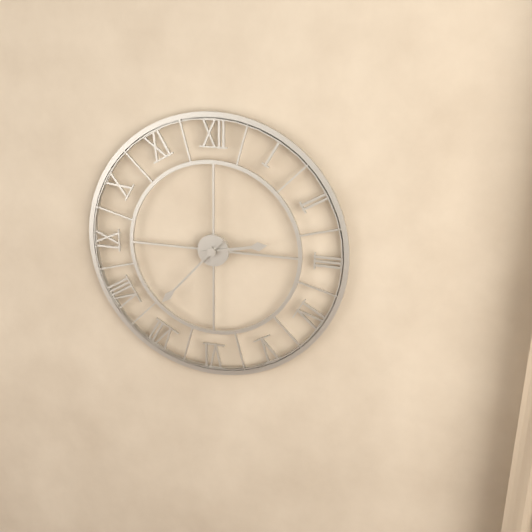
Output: h=2 m=37
